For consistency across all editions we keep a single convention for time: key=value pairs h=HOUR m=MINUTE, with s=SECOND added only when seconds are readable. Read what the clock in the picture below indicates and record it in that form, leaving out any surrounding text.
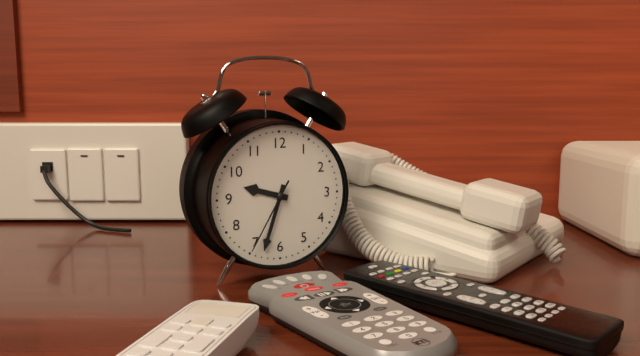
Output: h=9 m=33 s=35
